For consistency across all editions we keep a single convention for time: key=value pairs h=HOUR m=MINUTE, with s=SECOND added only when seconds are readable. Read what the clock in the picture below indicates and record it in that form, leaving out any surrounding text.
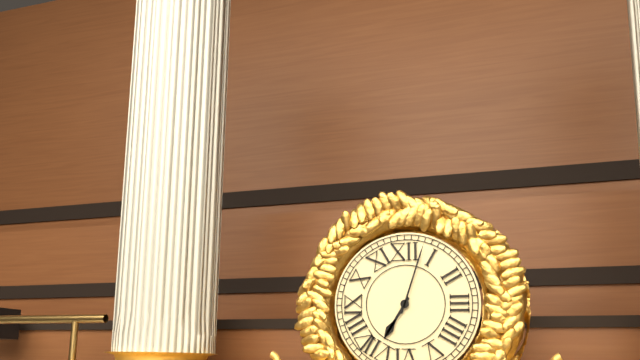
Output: h=7 m=3
